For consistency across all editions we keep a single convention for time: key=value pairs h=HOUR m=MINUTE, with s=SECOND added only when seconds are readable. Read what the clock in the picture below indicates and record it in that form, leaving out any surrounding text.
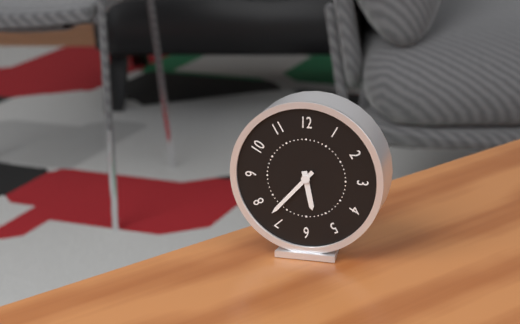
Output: h=5 m=37
